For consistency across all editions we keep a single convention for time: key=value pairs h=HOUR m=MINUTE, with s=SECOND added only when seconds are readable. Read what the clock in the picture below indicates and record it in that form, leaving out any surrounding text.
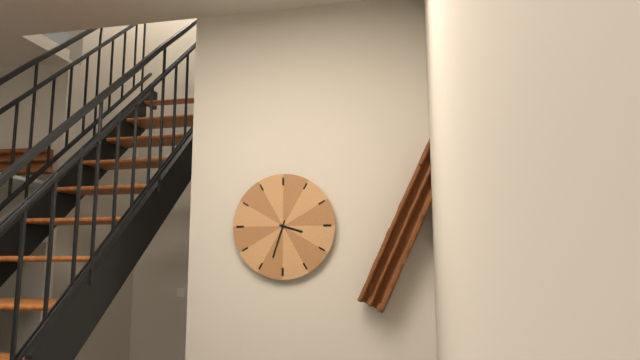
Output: h=3 m=33
